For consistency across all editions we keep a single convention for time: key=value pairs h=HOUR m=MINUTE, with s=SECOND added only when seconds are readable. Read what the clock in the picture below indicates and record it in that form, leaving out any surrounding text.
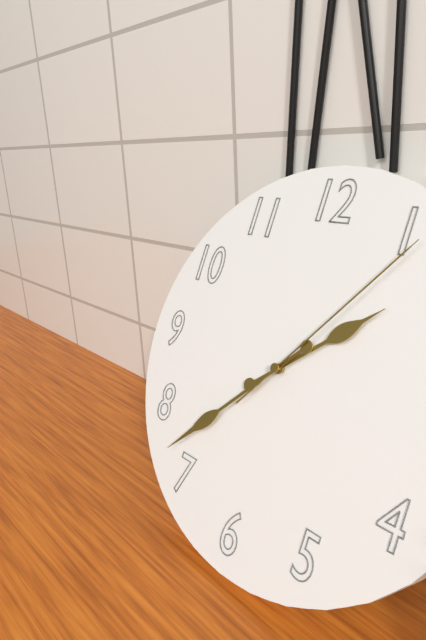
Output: h=1 m=37 s=6
